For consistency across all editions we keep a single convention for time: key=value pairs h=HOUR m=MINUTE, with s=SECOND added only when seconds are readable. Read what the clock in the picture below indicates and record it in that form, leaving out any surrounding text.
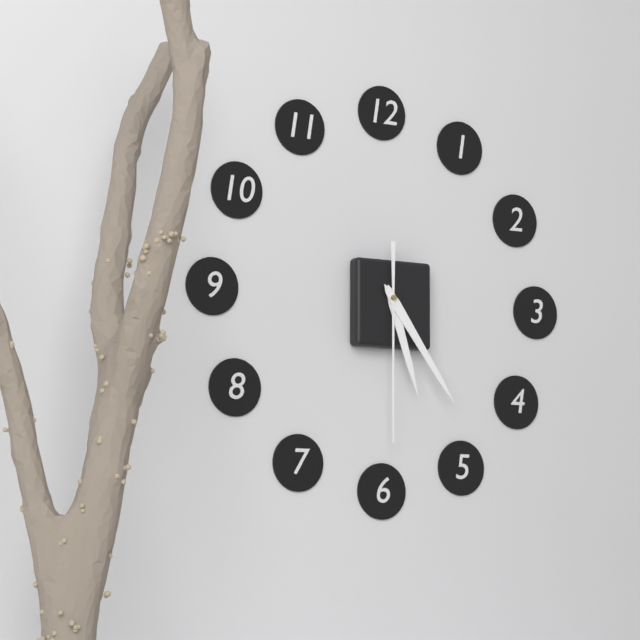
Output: h=5 m=24 s=30
